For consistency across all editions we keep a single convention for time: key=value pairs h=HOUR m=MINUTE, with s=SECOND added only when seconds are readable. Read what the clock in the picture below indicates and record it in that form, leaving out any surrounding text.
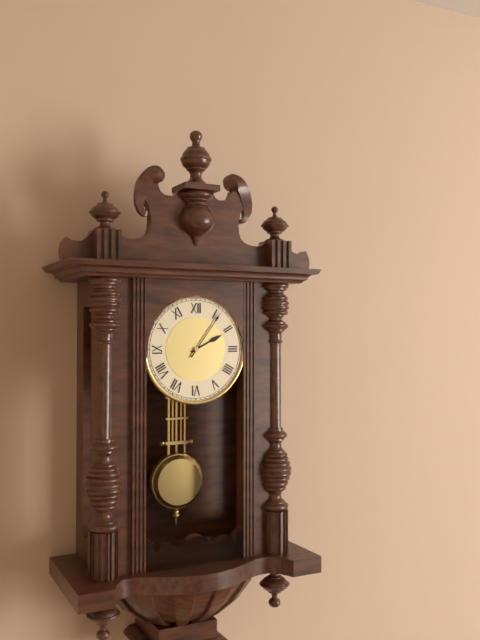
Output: h=2 m=6
